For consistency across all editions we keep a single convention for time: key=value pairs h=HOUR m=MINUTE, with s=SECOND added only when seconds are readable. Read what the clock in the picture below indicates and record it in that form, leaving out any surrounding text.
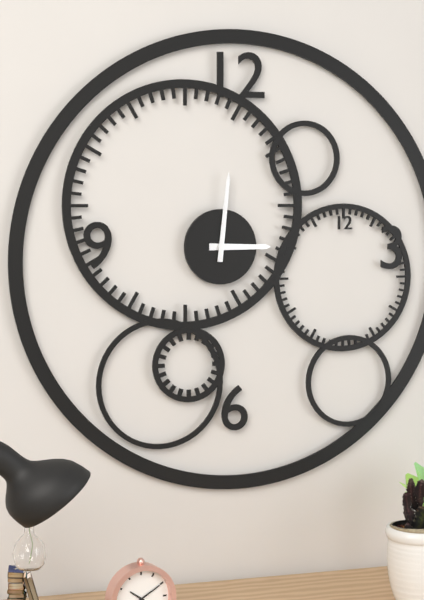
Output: h=3 m=1
